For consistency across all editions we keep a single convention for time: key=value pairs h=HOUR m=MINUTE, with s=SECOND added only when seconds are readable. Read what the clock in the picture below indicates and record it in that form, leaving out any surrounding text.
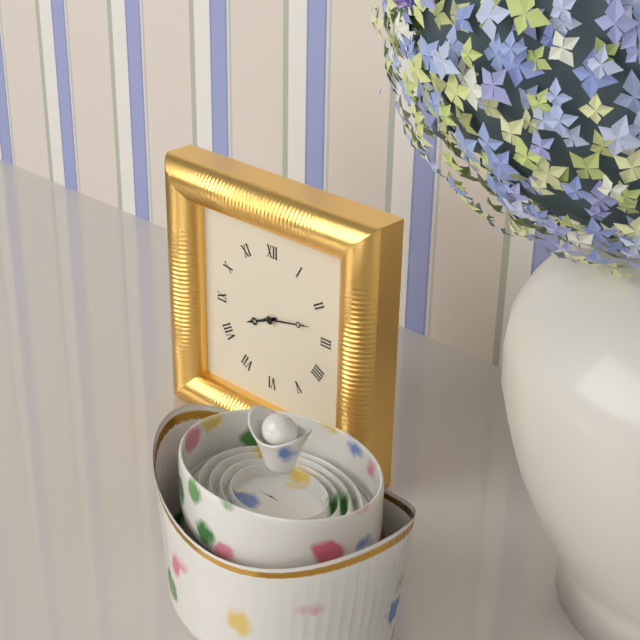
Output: h=8 m=13
